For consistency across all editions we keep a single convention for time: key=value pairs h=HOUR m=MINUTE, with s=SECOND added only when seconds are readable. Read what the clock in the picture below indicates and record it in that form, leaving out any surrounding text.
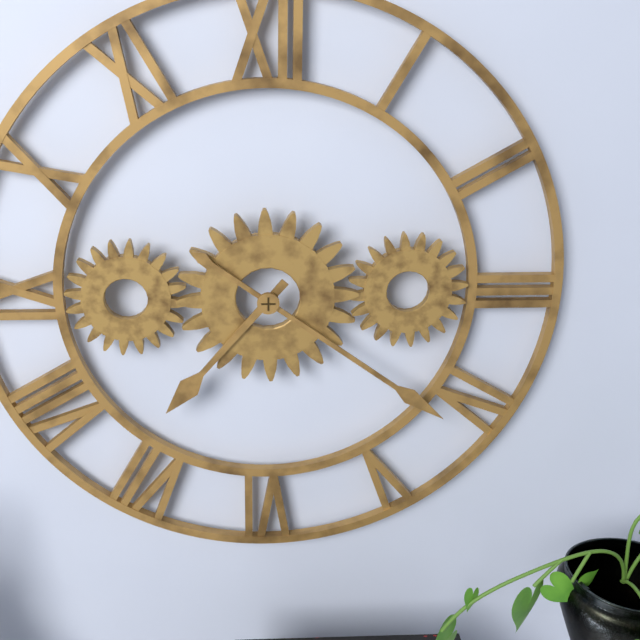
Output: h=7 m=21
